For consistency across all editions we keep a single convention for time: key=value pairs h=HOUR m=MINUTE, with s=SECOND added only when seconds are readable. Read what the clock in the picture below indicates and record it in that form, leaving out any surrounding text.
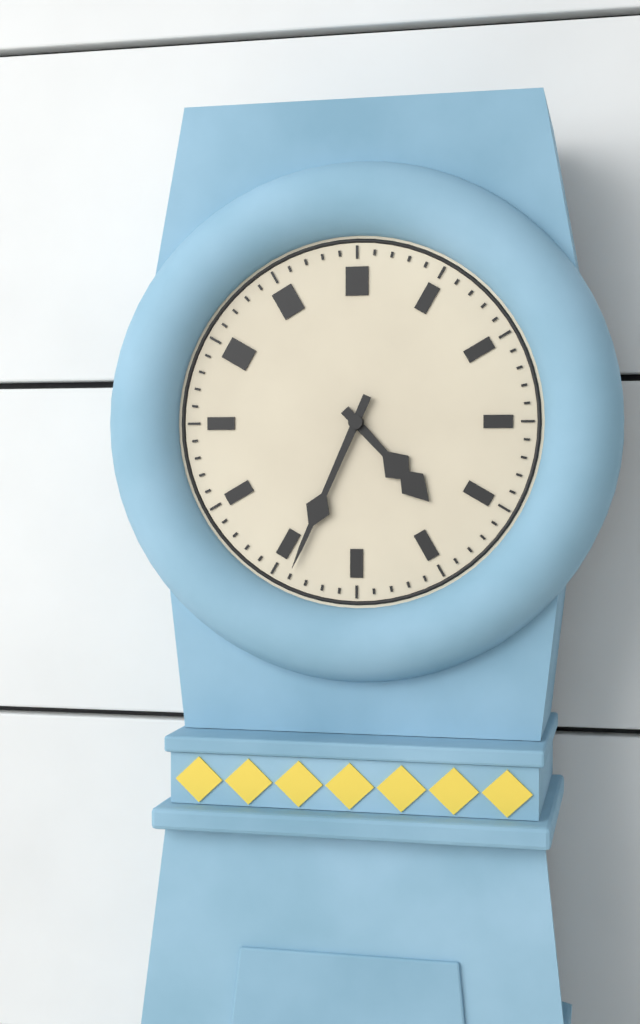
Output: h=4 m=34
